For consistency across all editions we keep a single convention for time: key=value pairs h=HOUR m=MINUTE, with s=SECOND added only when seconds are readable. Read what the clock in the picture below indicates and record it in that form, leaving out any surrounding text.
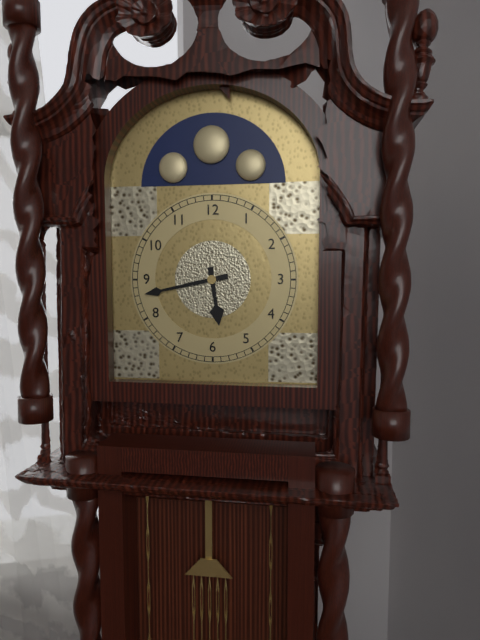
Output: h=5 m=43
